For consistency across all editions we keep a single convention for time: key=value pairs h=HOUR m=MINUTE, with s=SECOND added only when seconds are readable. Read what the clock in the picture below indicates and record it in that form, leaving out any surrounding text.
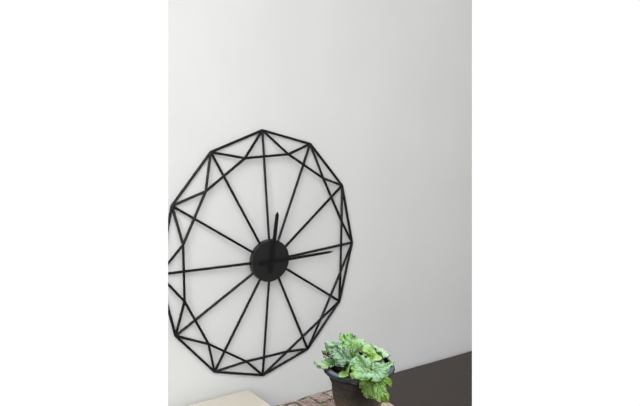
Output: h=12 m=15
